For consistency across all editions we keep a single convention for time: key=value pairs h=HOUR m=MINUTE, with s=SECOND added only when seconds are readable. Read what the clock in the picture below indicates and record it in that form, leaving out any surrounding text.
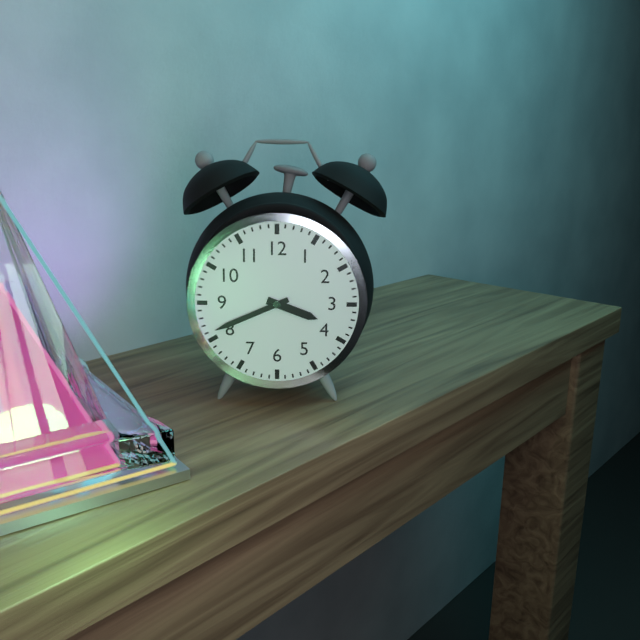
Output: h=3 m=41
